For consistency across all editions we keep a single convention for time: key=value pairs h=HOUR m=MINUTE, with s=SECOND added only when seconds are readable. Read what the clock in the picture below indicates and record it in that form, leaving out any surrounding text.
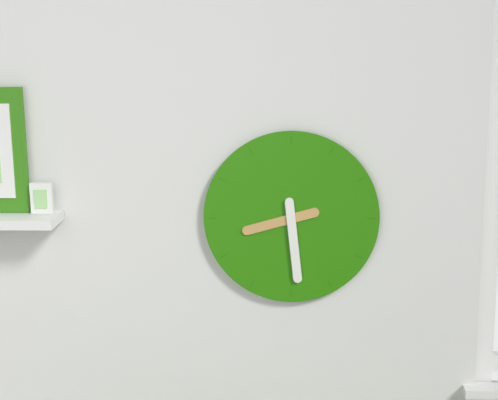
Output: h=8 m=29
